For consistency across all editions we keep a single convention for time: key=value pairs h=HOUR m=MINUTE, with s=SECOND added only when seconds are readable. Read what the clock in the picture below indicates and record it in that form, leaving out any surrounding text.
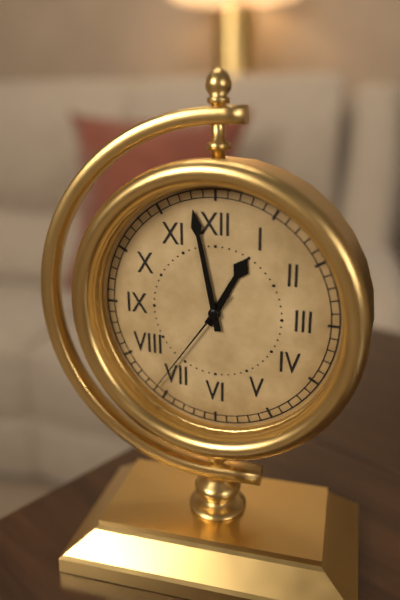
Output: h=12 m=58 s=36
